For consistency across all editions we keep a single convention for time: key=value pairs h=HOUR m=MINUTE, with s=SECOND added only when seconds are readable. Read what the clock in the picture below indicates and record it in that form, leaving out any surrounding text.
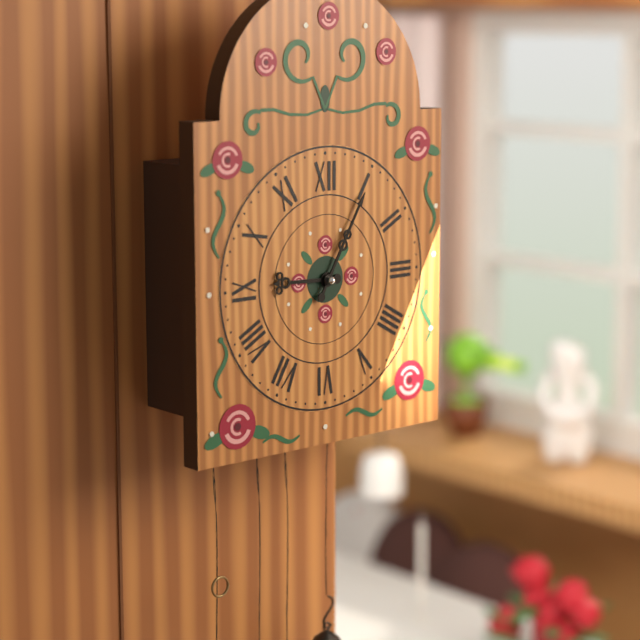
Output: h=9 m=5
